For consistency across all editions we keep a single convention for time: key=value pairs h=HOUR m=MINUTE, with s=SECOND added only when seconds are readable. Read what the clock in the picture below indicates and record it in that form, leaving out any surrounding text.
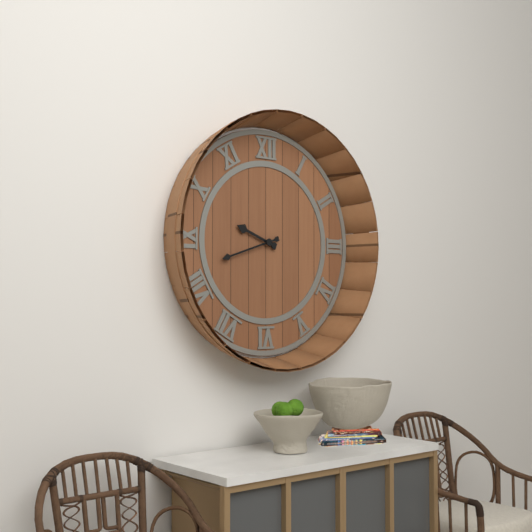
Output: h=9 m=42
